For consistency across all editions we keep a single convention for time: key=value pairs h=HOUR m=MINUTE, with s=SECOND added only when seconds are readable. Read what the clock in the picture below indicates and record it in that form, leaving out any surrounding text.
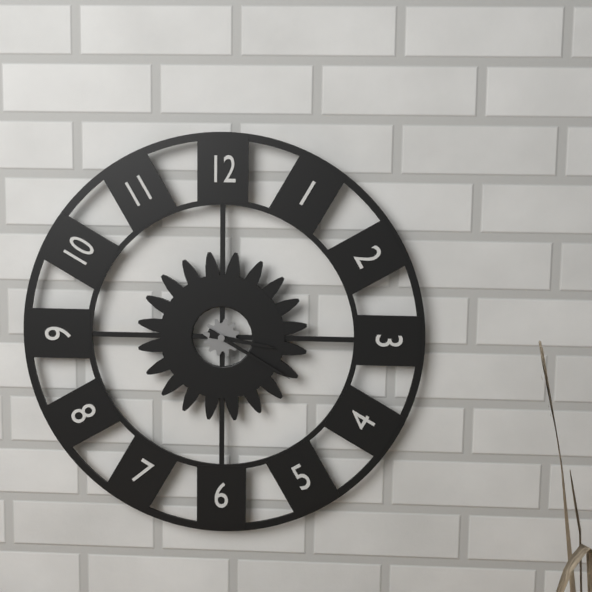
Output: h=3 m=20
